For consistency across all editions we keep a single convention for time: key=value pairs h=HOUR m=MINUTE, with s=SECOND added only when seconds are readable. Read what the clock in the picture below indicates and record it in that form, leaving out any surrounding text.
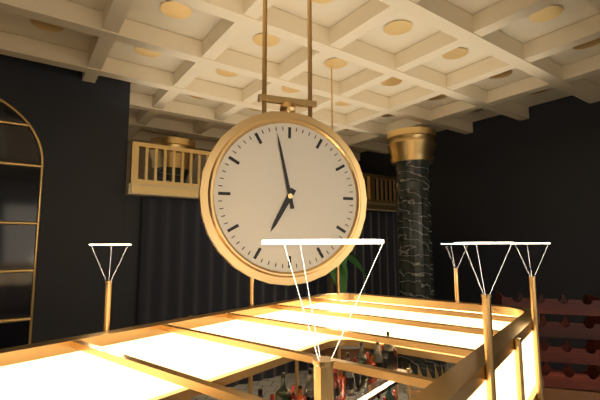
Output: h=6 m=58
